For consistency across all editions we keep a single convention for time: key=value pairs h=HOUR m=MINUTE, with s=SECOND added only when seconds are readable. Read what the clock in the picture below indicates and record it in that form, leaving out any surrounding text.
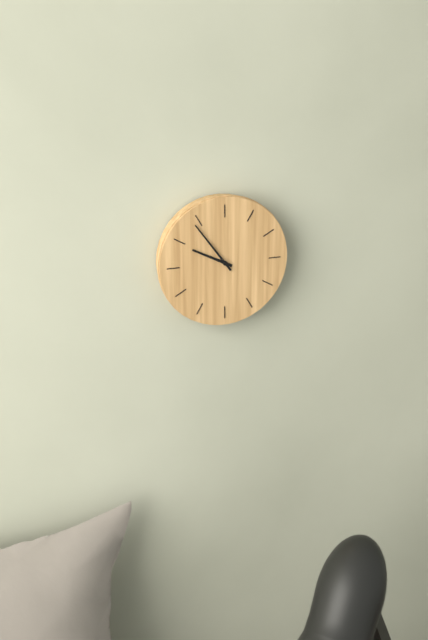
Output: h=9 m=54
